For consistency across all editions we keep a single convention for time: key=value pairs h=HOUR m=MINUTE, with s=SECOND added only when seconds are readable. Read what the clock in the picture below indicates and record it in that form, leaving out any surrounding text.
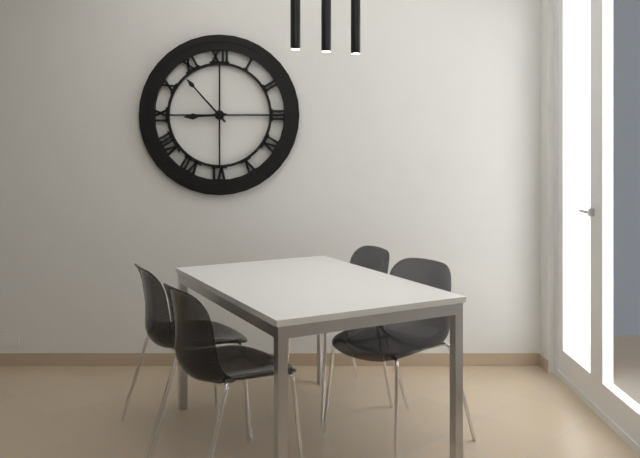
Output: h=8 m=53
